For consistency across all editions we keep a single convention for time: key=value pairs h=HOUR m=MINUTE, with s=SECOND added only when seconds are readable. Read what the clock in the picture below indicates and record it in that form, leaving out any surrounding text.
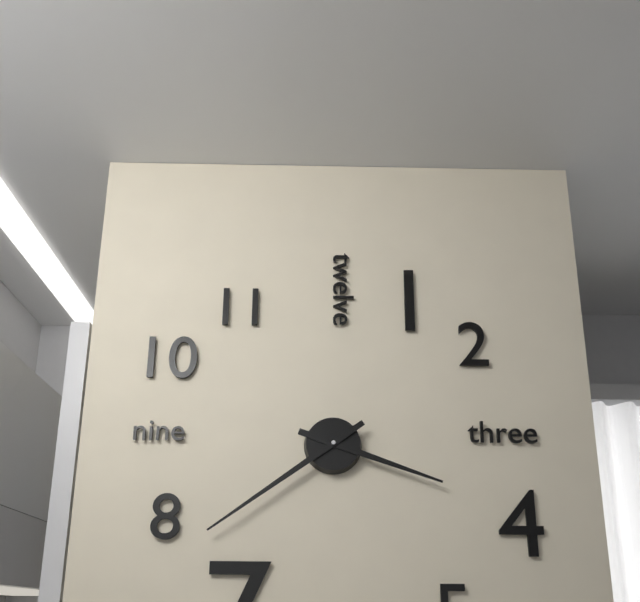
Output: h=3 m=39
